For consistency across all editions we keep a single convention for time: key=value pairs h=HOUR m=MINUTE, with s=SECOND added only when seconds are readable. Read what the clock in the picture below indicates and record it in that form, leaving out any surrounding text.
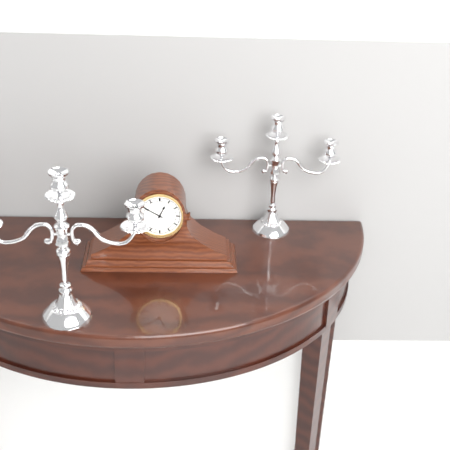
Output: h=12 m=50
